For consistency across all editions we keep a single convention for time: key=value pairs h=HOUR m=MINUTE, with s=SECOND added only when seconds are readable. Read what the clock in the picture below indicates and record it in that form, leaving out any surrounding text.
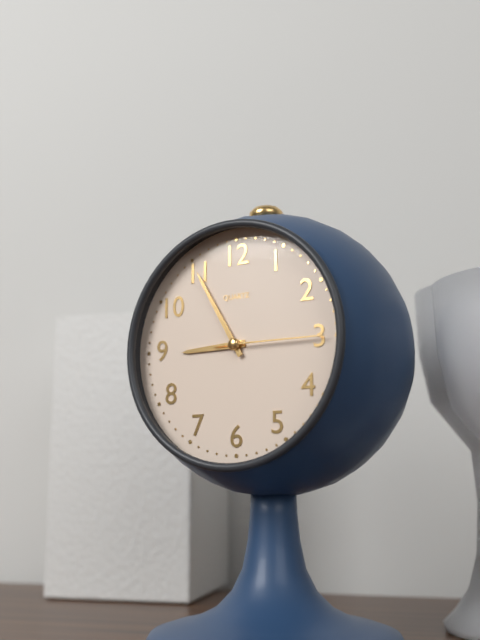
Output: h=8 m=55 s=15
